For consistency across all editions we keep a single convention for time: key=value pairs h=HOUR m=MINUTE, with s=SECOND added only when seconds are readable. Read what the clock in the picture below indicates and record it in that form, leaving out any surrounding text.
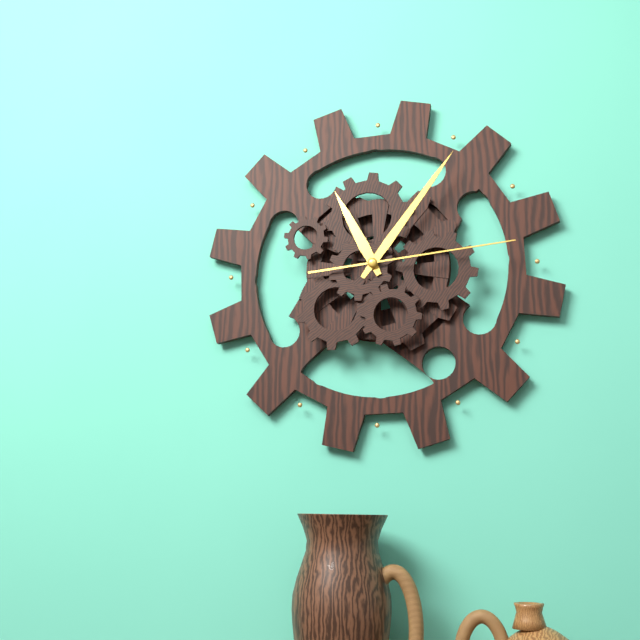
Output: h=11 m=6 s=14
